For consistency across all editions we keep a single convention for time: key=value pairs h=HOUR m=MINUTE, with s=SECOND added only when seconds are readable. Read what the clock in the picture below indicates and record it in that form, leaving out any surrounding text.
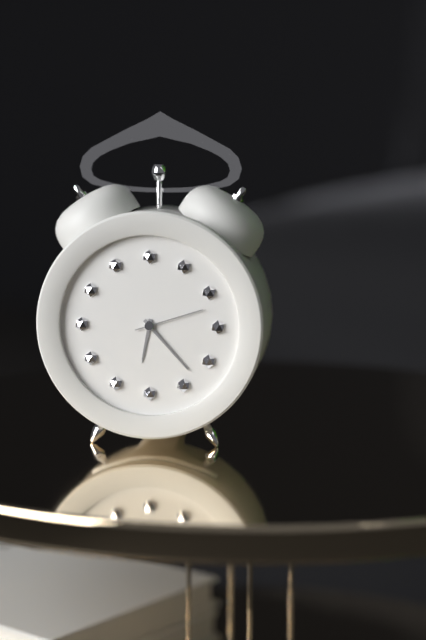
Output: h=6 m=23 s=12
